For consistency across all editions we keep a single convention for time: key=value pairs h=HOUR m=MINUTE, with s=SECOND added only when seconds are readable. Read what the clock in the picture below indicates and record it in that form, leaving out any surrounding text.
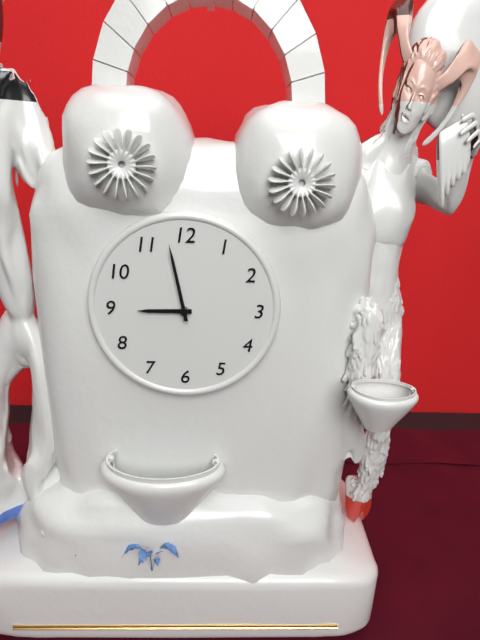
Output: h=8 m=58
